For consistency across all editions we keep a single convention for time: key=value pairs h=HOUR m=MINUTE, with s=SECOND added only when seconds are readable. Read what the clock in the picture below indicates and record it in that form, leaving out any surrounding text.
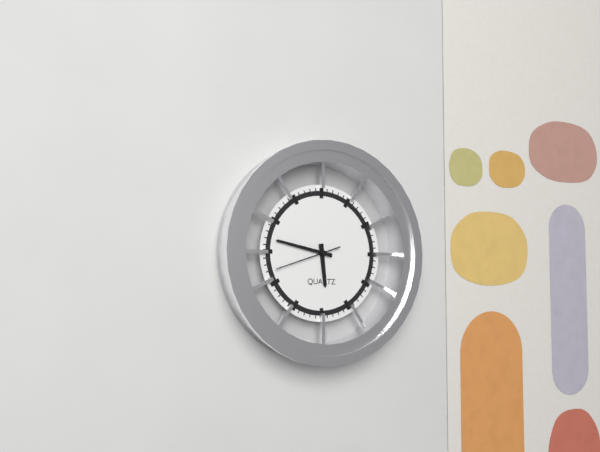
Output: h=5 m=47 s=42
